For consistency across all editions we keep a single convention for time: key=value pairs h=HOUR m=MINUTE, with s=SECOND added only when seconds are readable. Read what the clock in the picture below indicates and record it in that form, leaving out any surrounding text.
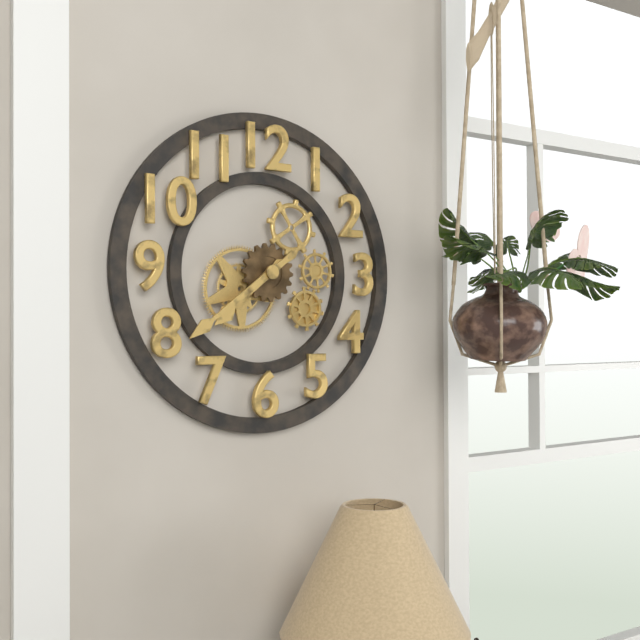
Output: h=7 m=39
